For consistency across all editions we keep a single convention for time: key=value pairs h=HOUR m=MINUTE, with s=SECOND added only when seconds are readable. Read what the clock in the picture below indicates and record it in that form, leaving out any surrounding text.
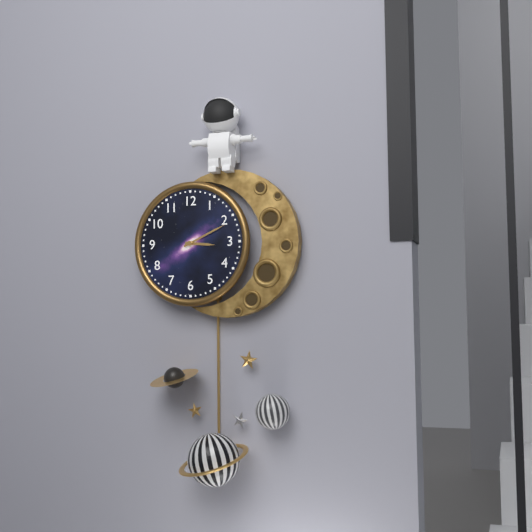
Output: h=3 m=11
